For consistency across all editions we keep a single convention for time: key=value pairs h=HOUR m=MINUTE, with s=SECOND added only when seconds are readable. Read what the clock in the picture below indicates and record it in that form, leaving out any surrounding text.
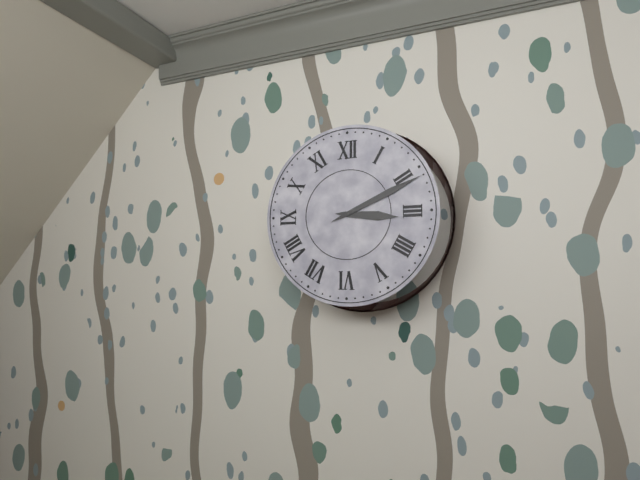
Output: h=3 m=11
